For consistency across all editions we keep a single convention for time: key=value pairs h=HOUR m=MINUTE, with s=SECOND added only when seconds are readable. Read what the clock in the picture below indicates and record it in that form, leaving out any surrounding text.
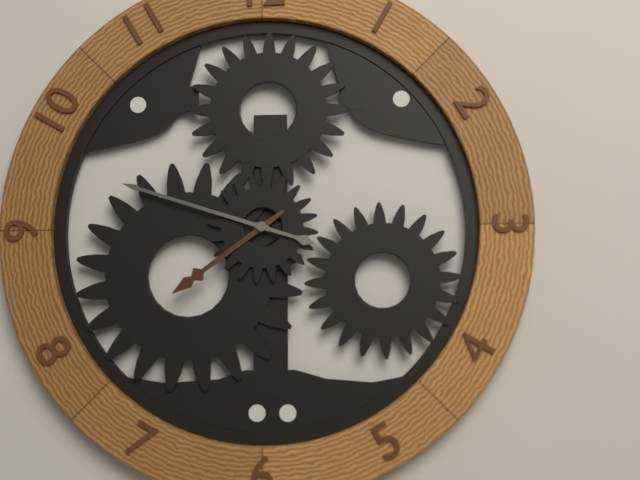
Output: h=7 m=48
